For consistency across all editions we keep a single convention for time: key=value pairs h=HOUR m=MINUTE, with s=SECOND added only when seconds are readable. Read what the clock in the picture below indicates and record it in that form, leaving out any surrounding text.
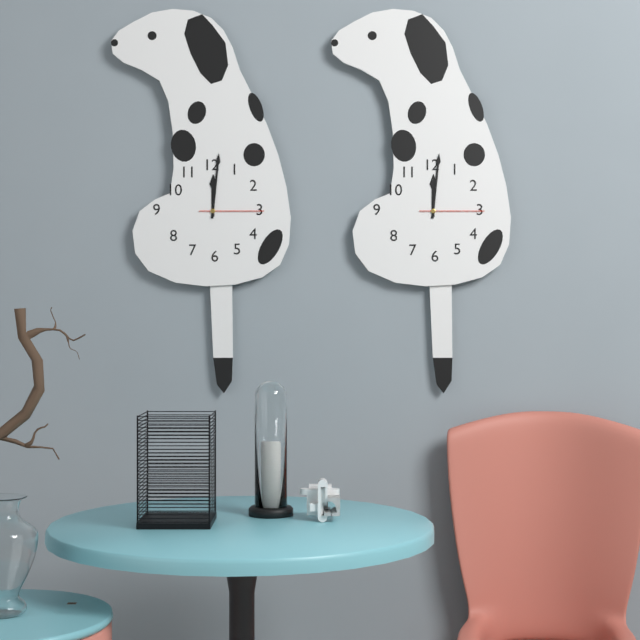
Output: h=12 m=1 s=15
